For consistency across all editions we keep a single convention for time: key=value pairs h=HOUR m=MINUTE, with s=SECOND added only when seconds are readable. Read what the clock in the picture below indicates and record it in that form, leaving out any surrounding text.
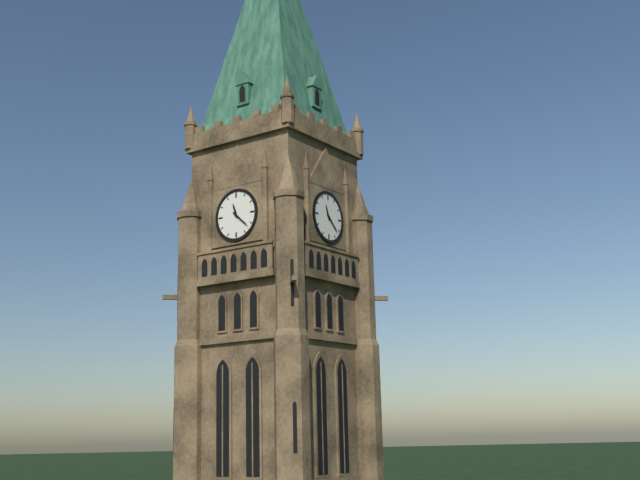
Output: h=11 m=22
